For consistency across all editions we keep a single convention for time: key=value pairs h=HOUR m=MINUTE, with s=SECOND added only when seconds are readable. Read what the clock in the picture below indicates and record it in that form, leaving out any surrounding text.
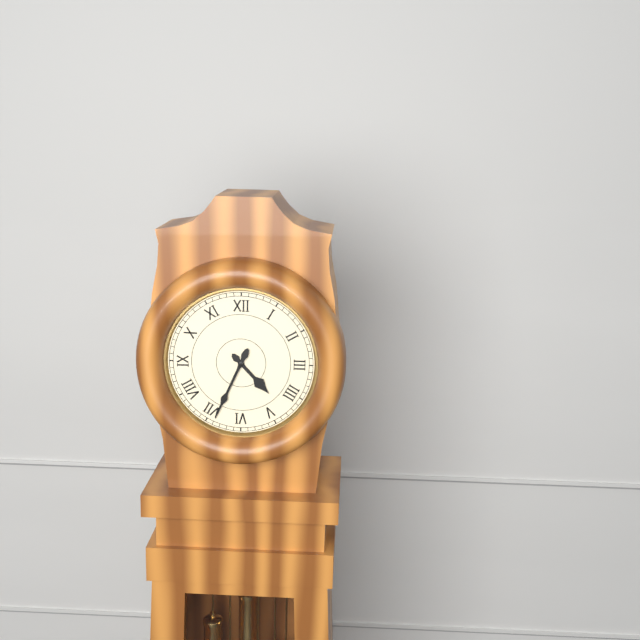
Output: h=4 m=34
